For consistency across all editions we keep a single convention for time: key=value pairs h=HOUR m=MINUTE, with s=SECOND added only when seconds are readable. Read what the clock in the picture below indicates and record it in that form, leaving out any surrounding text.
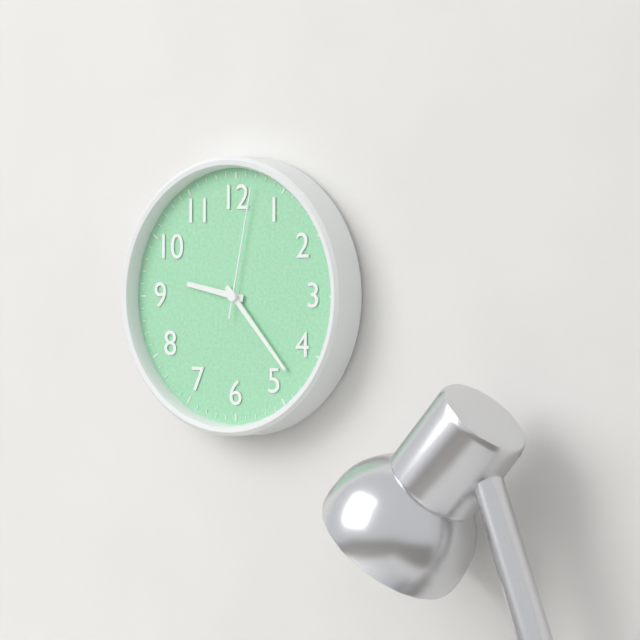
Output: h=9 m=23 s=2
